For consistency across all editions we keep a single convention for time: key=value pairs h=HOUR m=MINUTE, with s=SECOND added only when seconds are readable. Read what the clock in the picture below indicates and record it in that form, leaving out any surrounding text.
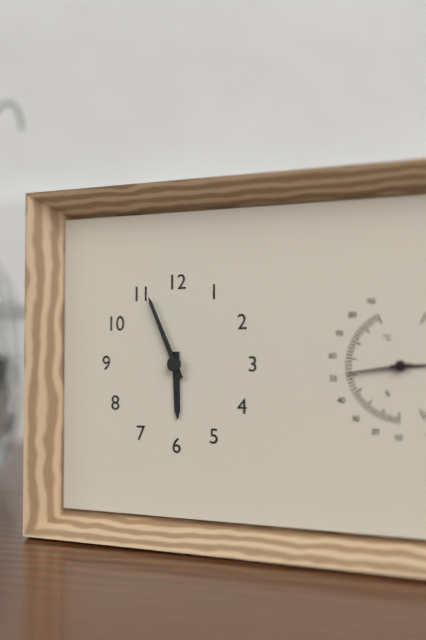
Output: h=5 m=56
